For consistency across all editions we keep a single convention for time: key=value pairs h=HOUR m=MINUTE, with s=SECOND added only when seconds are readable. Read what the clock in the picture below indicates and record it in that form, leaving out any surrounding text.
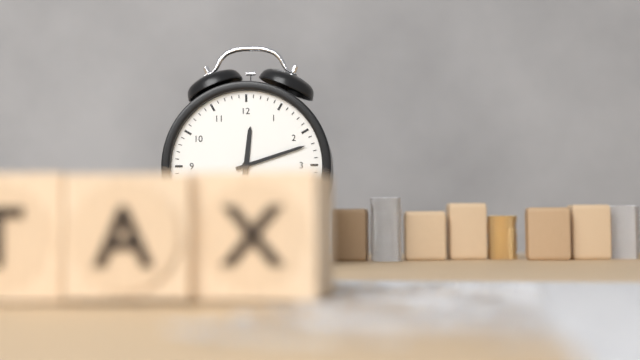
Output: h=12 m=12
